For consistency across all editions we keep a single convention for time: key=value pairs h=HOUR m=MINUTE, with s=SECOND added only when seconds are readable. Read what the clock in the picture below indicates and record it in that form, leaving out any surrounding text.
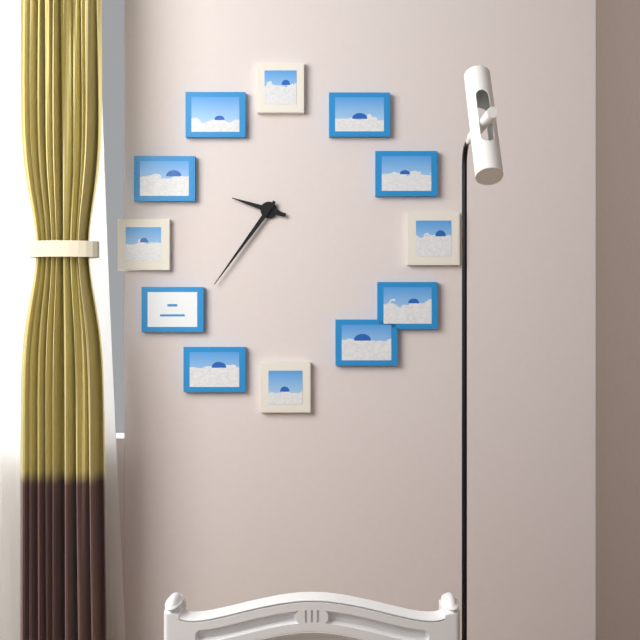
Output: h=9 m=36
